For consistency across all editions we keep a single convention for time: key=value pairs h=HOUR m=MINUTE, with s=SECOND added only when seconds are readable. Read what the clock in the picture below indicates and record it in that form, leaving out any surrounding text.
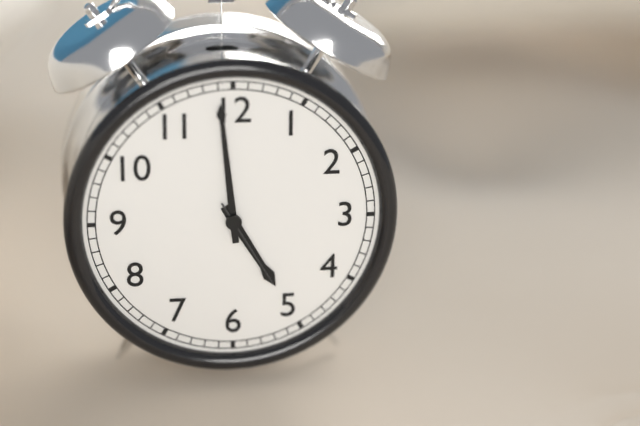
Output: h=4 m=59 s=25
